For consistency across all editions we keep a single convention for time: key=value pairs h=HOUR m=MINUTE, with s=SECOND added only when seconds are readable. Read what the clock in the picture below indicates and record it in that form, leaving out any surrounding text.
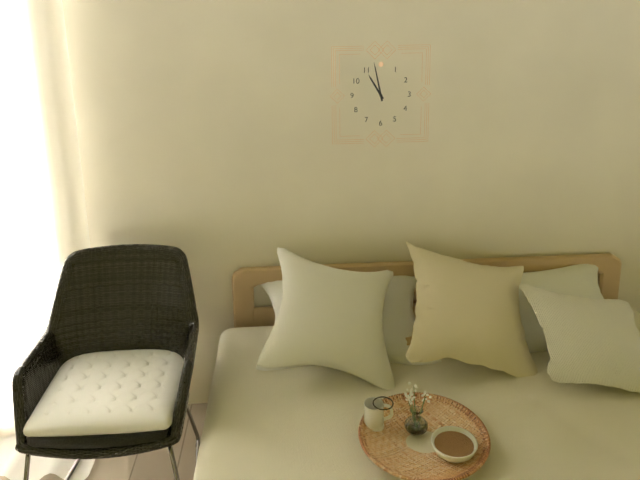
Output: h=10 m=58
